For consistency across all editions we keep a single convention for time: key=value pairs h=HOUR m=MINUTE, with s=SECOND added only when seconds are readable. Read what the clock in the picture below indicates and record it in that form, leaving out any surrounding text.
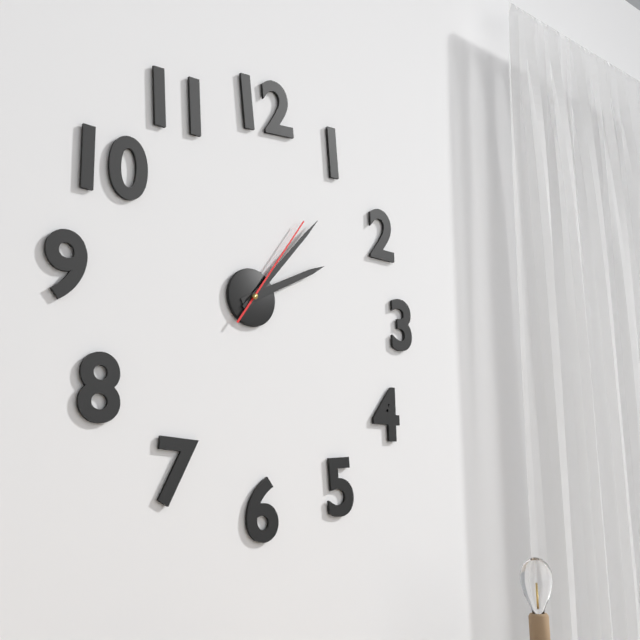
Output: h=2 m=7 s=6
